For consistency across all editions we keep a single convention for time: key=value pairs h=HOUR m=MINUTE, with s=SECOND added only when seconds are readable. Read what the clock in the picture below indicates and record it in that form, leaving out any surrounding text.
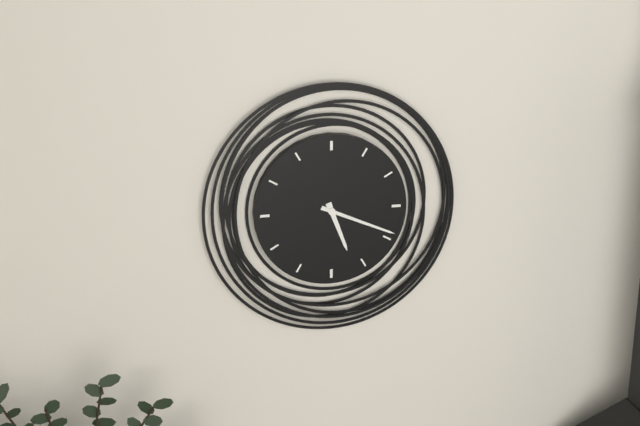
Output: h=5 m=19
